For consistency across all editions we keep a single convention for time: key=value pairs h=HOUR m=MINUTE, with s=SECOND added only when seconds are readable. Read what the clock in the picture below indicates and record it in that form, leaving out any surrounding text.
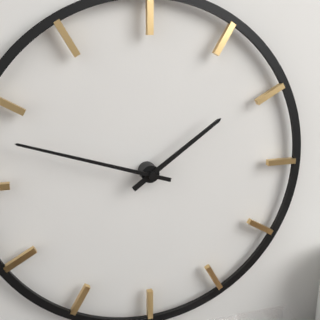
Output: h=1 m=48
